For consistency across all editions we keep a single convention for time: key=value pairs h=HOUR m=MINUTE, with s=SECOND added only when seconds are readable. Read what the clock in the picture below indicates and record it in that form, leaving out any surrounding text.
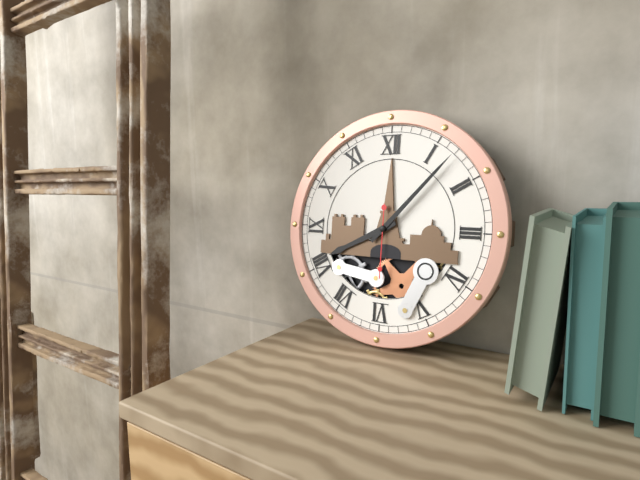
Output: h=8 m=7 s=30
